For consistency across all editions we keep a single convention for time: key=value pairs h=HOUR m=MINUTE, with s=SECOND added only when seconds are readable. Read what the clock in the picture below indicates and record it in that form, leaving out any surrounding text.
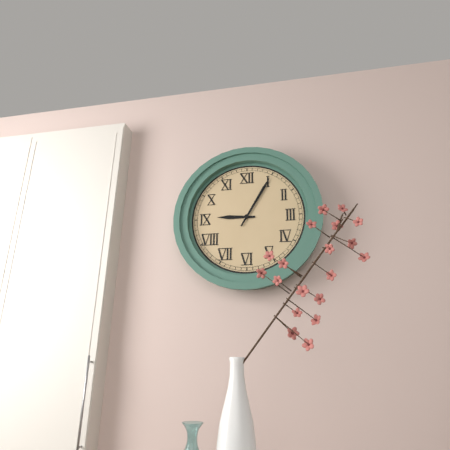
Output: h=9 m=5
